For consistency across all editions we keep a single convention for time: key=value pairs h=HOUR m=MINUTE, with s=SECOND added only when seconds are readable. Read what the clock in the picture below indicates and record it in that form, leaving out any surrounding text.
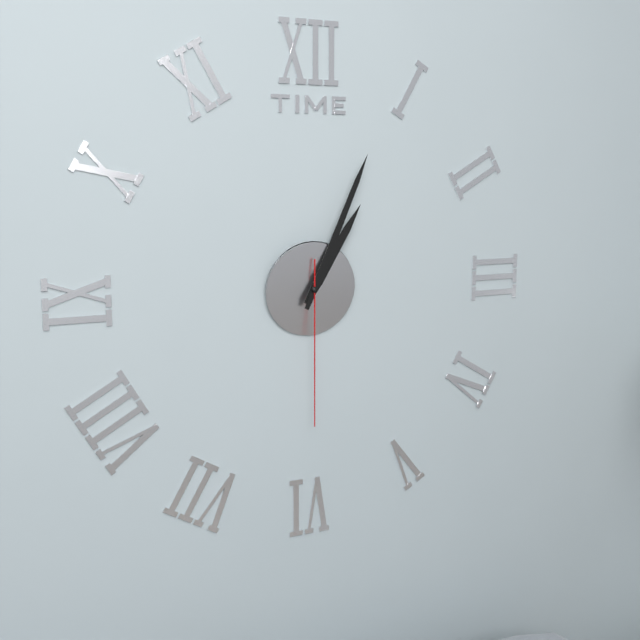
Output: h=1 m=4 s=30
